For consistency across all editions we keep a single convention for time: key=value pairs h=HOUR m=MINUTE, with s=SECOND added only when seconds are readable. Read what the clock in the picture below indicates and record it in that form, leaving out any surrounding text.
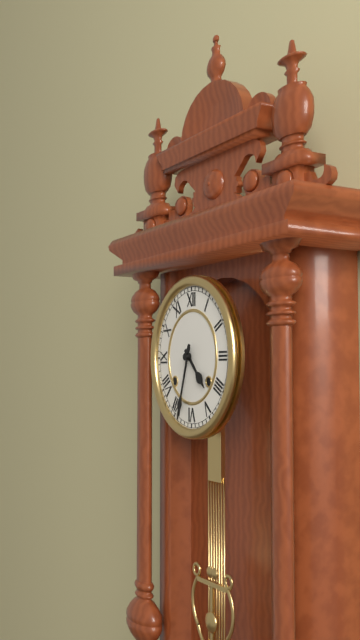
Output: h=4 m=33
